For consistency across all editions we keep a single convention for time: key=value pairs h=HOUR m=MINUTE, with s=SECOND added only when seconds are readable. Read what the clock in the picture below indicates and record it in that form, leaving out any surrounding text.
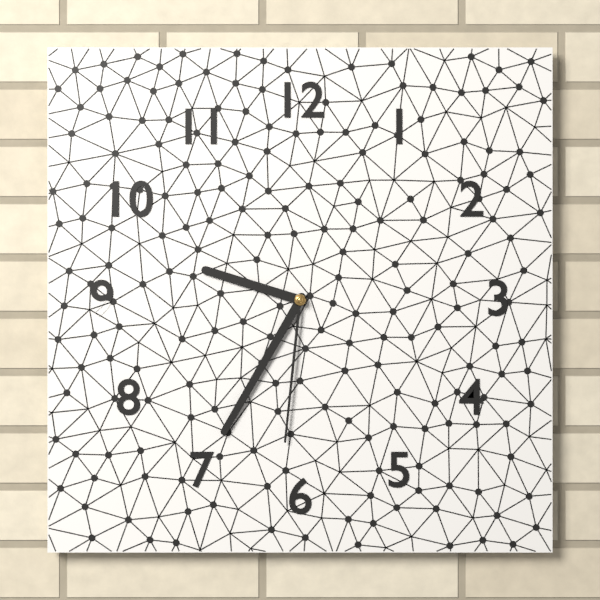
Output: h=9 m=35 s=31
